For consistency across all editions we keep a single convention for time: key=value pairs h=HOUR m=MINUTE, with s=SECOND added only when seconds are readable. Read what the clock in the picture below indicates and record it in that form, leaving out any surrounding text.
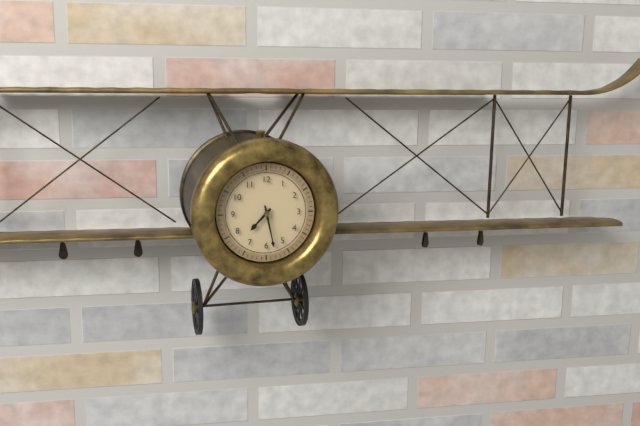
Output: h=7 m=28
